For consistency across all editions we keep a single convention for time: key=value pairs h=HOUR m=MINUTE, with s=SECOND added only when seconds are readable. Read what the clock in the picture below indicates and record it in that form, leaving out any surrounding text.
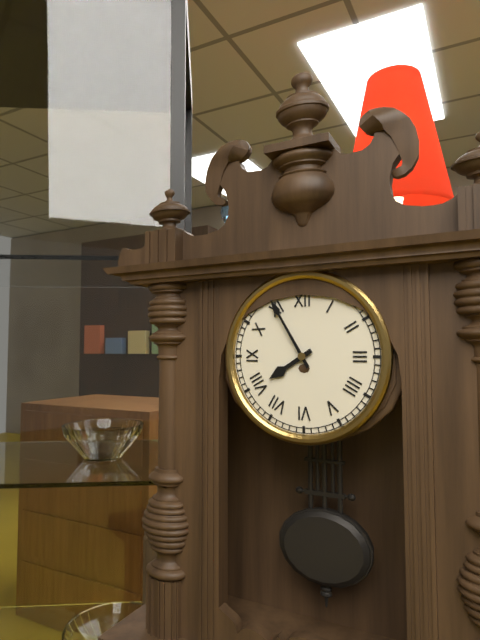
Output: h=7 m=55
